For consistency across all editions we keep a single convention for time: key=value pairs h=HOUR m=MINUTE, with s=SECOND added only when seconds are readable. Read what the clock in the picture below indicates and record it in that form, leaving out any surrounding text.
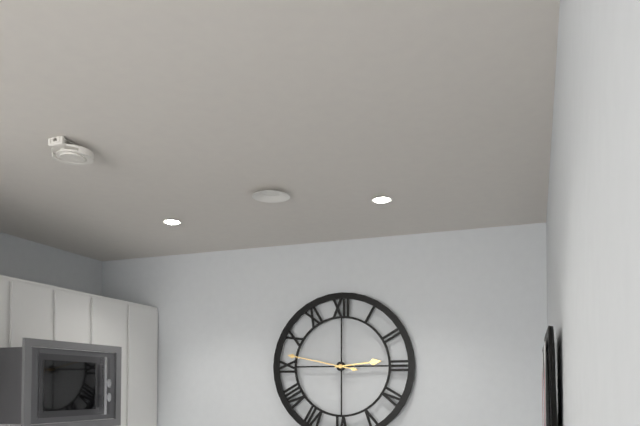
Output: h=2 m=47
